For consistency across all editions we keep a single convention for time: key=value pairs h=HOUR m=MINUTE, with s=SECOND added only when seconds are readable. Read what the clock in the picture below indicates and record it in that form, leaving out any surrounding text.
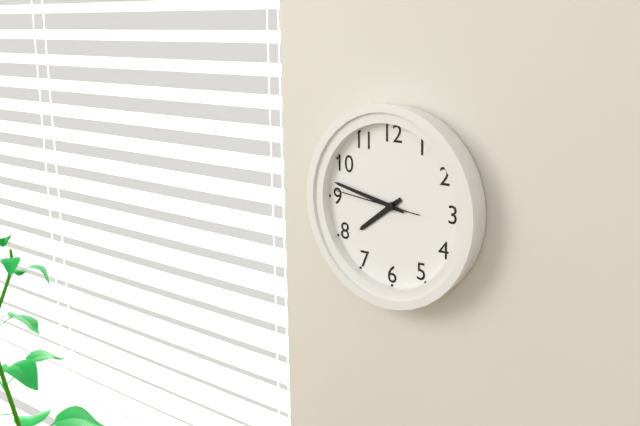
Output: h=7 m=47 s=46
